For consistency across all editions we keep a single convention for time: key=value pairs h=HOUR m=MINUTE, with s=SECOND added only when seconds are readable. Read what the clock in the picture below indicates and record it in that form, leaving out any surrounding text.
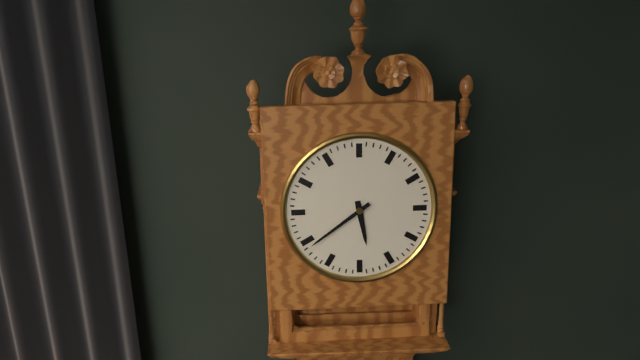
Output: h=5 m=39
